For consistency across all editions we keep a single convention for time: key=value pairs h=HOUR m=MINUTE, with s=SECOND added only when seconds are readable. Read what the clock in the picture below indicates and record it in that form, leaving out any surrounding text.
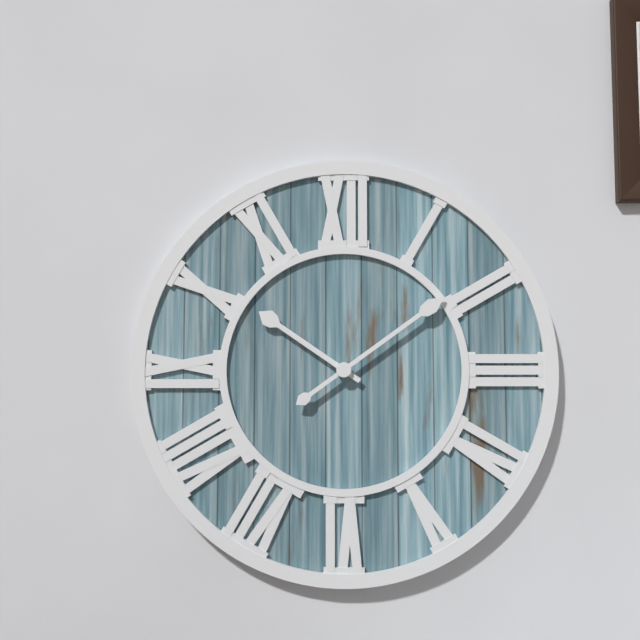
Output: h=10 m=9
